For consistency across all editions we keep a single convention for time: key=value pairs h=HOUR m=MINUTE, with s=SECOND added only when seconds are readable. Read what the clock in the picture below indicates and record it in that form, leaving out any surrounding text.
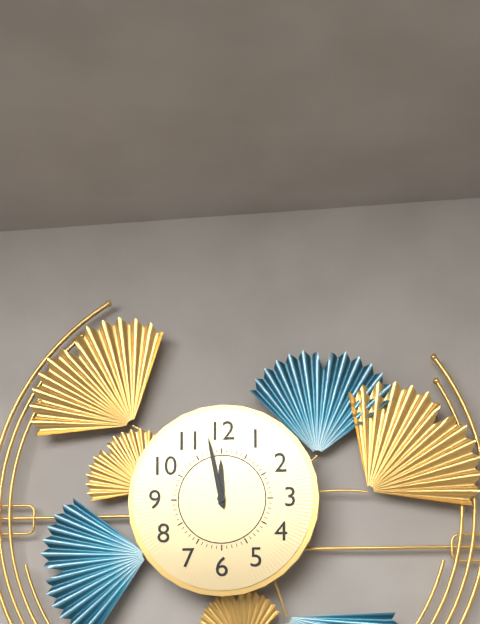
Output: h=11 m=58
